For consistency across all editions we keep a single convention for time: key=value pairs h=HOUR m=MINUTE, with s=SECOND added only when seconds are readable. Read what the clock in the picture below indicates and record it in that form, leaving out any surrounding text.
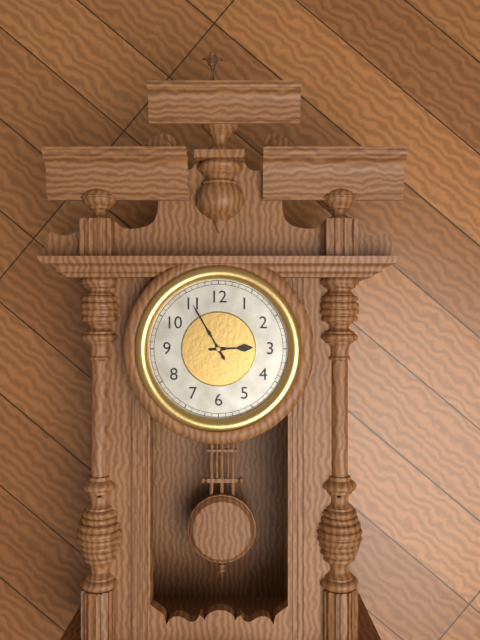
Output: h=2 m=55
